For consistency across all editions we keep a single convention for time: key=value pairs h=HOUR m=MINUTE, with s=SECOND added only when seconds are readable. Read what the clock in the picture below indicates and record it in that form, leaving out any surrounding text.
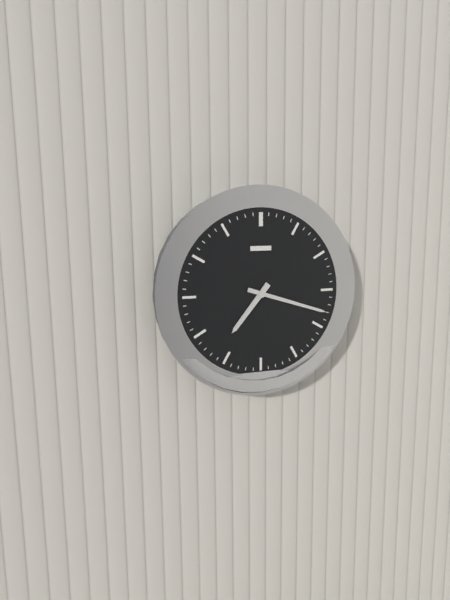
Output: h=7 m=18
